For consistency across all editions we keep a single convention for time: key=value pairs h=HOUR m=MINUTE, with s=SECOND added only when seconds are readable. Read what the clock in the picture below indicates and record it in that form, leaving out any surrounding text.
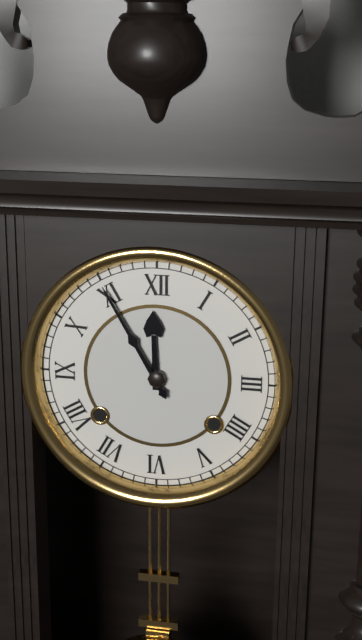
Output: h=11 m=55
